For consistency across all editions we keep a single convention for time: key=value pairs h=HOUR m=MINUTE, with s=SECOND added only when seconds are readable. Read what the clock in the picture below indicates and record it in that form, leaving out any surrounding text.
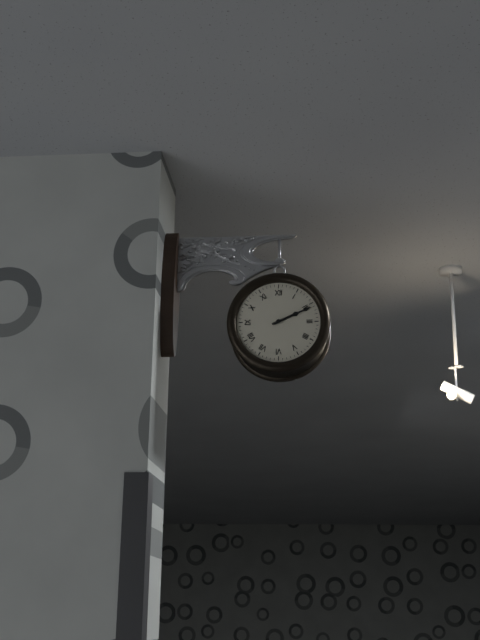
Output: h=2 m=11
